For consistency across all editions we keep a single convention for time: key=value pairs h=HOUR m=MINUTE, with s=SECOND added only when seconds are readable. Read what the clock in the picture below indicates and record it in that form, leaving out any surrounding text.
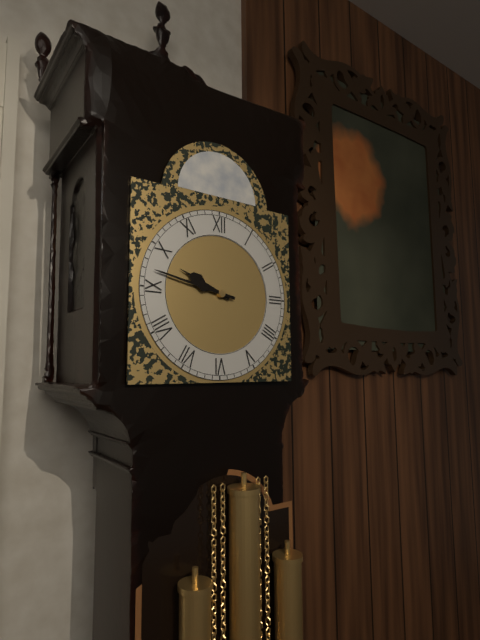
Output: h=9 m=47
